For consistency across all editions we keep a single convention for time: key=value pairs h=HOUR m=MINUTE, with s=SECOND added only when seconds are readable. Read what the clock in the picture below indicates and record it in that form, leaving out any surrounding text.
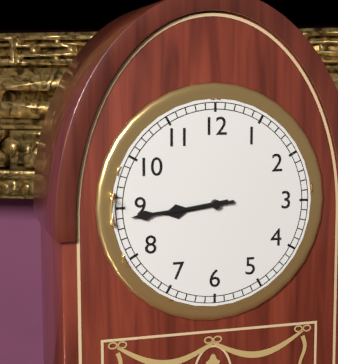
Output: h=8 m=44
